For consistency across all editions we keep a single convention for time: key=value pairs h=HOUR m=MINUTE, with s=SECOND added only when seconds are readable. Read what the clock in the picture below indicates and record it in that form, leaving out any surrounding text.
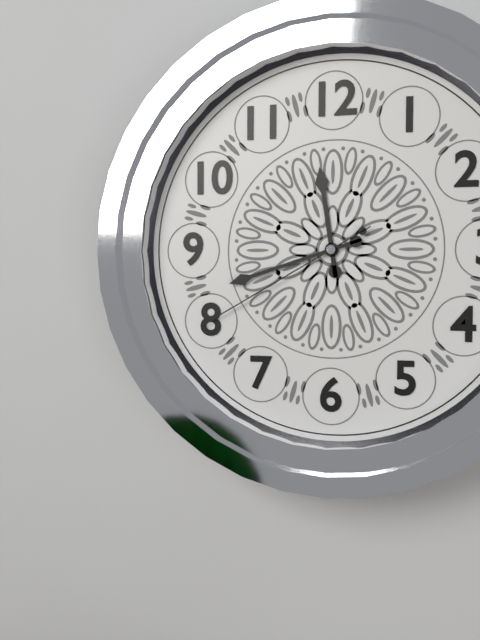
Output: h=11 m=42 s=40
